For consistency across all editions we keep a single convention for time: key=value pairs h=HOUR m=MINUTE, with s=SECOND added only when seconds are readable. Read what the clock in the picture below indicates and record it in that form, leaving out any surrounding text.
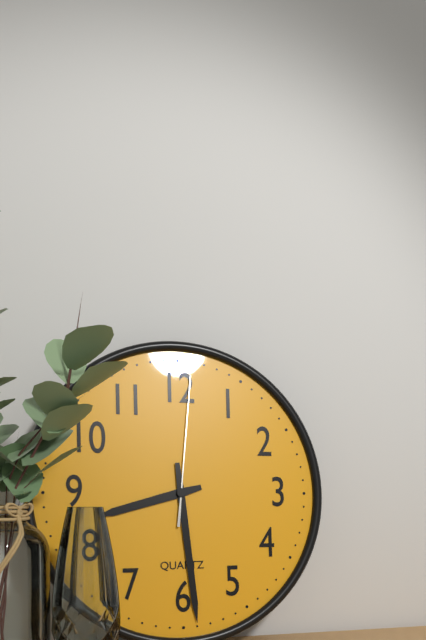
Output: h=8 m=29 s=1
